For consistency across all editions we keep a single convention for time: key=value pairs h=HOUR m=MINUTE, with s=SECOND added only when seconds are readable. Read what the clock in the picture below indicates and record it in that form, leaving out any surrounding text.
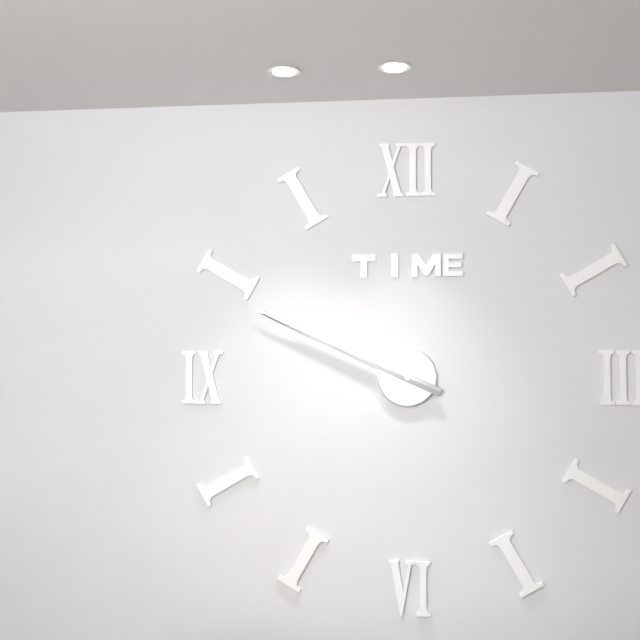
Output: h=9 m=49
